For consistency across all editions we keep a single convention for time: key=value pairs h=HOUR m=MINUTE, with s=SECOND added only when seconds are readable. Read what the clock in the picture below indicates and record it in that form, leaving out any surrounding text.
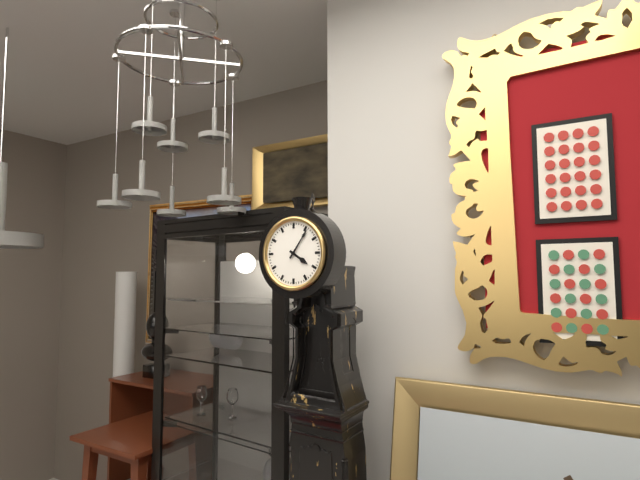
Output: h=4 m=6
